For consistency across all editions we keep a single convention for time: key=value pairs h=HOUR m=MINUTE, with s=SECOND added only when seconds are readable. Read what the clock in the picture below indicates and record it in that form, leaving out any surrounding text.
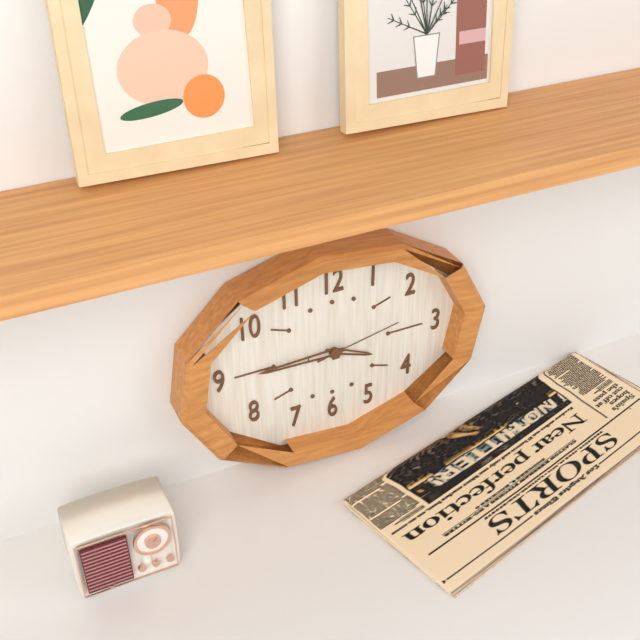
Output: h=3 m=45 s=13
